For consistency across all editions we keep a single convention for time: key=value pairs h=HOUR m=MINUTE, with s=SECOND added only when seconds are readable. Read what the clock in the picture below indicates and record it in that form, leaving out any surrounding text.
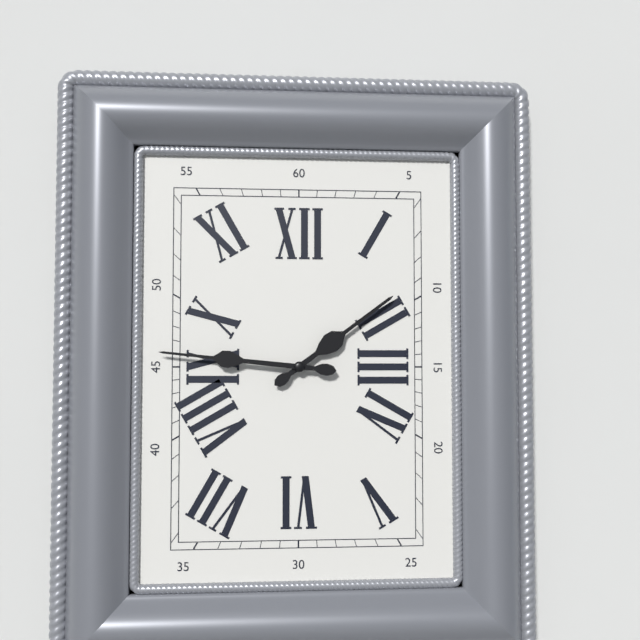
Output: h=1 m=46
